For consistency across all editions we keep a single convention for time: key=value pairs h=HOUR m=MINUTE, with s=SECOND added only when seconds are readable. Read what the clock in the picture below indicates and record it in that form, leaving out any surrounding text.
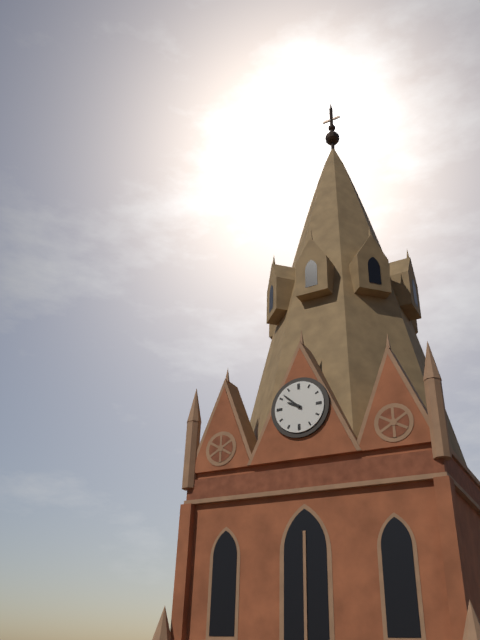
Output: h=9 m=52
